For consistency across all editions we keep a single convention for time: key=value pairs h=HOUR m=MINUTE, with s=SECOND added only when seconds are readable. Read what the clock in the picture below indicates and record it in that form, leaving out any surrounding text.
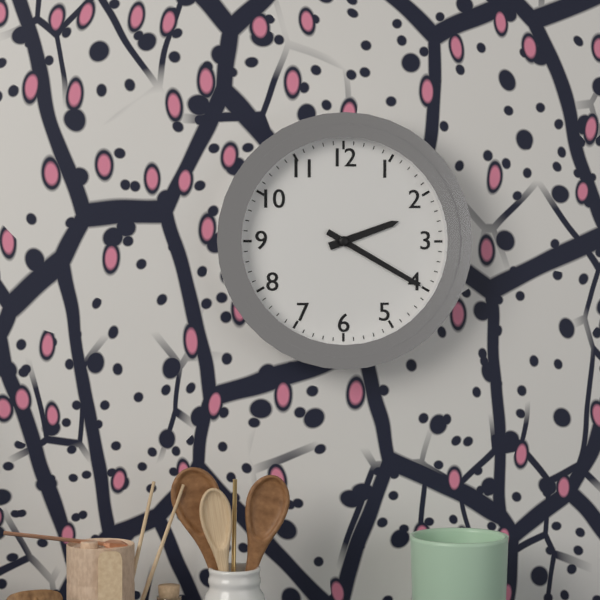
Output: h=2 m=20
